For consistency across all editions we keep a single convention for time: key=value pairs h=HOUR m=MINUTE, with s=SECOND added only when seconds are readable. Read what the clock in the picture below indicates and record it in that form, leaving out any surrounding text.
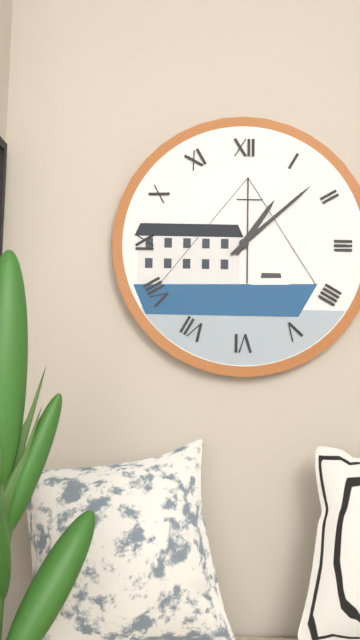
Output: h=1 m=8
